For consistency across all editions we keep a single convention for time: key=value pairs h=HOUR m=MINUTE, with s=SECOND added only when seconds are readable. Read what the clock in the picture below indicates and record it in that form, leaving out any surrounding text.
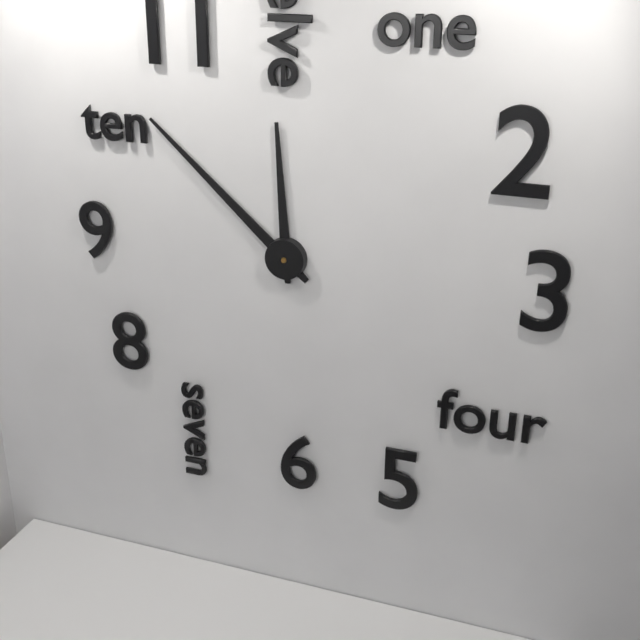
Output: h=11 m=52
